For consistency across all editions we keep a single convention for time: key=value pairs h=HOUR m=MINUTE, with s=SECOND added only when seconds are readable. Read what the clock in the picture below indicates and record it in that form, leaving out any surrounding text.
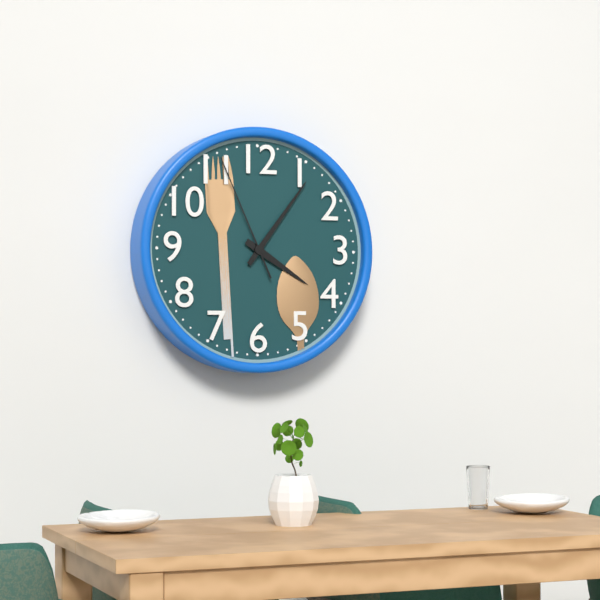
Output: h=4 m=6 s=56
